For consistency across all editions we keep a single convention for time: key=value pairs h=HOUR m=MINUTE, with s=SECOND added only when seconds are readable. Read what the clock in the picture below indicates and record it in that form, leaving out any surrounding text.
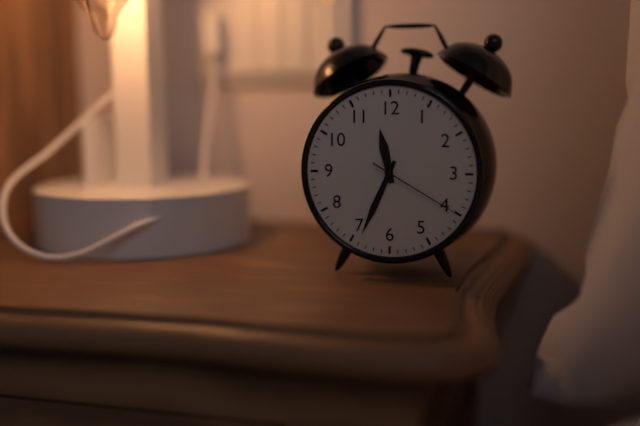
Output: h=11 m=34 s=20
